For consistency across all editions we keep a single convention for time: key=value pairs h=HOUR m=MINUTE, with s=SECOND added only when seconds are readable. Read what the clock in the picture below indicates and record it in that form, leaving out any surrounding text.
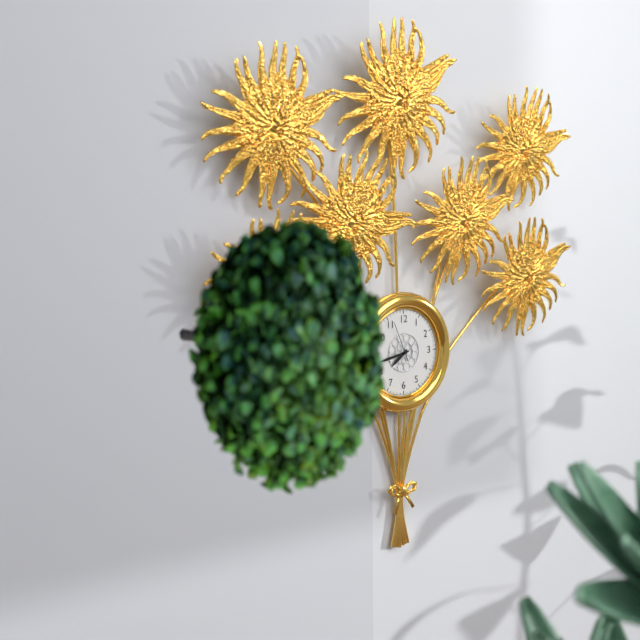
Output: h=7 m=43
